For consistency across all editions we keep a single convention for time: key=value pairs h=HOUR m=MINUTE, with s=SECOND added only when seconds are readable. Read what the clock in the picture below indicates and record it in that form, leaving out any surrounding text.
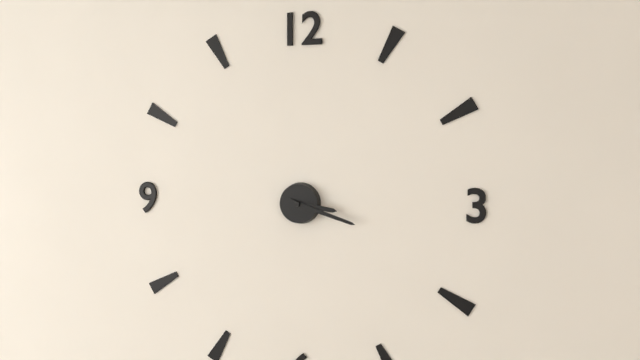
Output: h=3 m=18
